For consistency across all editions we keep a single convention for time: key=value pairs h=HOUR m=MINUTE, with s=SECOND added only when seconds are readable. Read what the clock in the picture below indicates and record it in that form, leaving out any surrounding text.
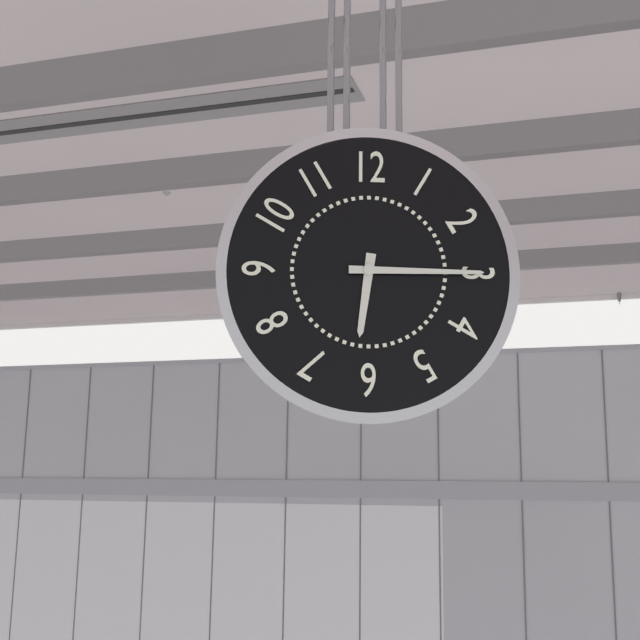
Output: h=6 m=15
